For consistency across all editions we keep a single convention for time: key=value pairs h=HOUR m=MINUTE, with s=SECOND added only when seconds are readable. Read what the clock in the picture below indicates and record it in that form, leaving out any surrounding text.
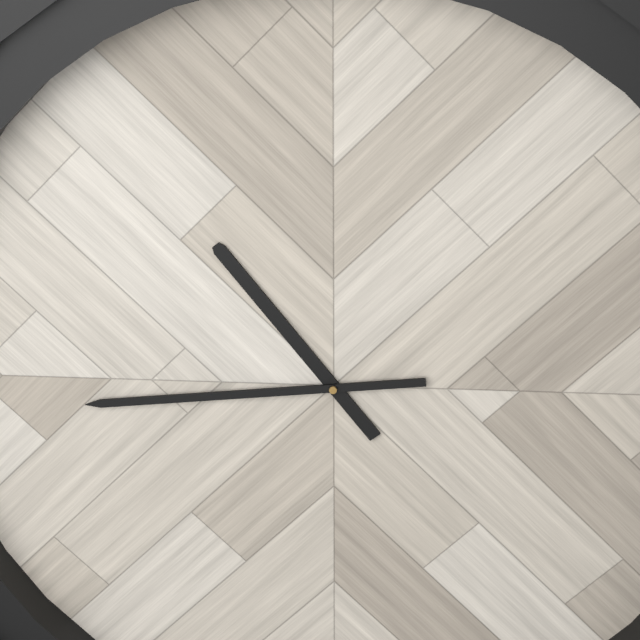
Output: h=10 m=44
